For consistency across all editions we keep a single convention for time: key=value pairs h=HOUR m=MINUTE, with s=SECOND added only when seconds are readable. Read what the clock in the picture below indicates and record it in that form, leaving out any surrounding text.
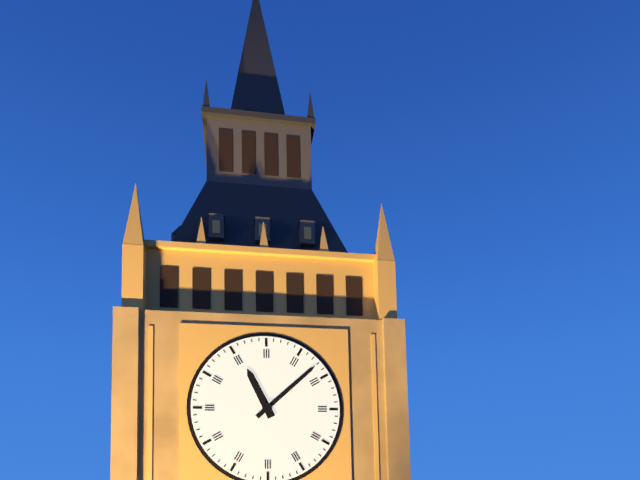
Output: h=11 m=8
